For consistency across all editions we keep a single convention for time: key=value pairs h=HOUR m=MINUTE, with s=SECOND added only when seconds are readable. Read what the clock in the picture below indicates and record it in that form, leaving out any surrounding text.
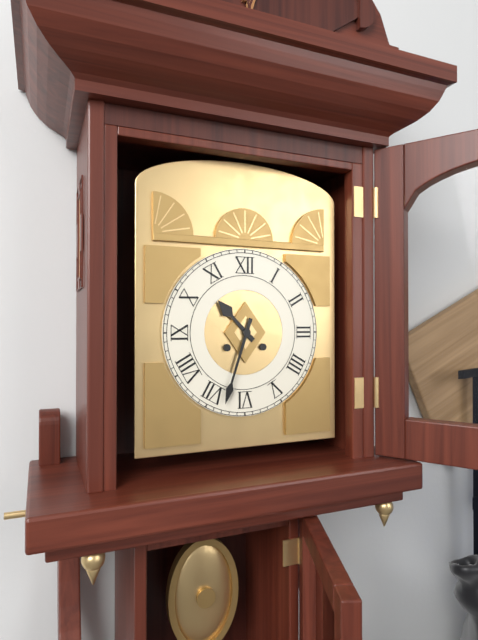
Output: h=10 m=33
